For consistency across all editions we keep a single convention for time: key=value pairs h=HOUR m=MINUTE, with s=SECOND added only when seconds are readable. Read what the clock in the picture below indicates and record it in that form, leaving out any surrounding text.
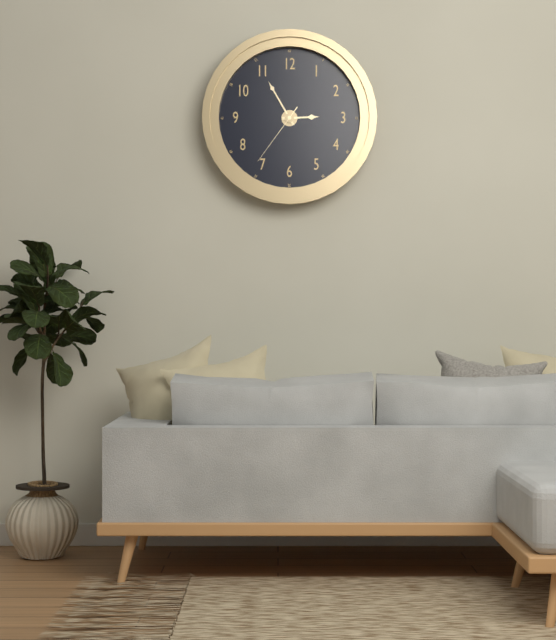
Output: h=2 m=55 s=36
